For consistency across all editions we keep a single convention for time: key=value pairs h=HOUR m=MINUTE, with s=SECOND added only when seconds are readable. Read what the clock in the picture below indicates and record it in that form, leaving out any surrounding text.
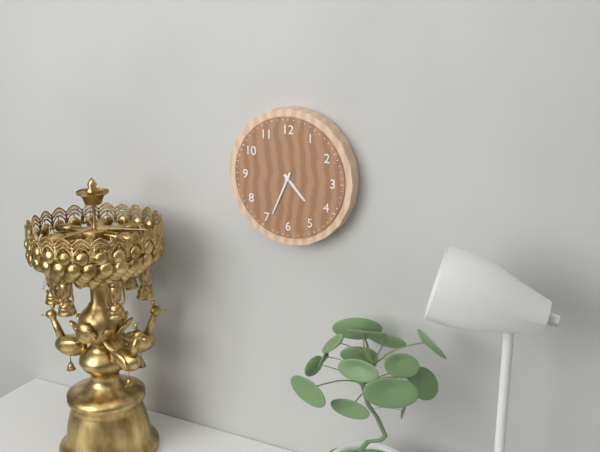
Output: h=4 m=34
